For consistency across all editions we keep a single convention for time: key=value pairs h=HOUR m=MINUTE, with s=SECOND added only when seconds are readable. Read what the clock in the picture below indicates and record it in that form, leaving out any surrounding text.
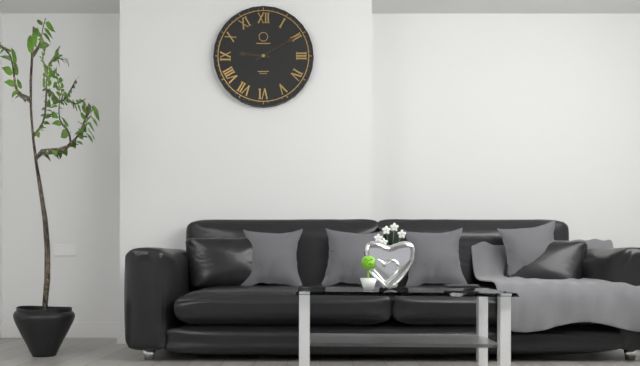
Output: h=9 m=10
